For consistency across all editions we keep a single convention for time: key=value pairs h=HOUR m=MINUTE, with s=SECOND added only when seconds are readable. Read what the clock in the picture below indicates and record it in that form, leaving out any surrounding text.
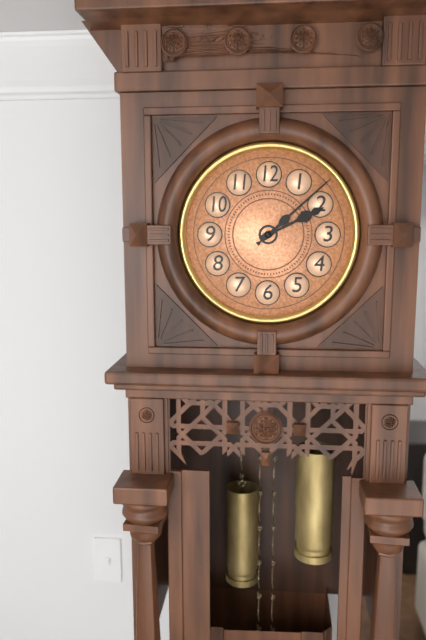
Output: h=2 m=8
